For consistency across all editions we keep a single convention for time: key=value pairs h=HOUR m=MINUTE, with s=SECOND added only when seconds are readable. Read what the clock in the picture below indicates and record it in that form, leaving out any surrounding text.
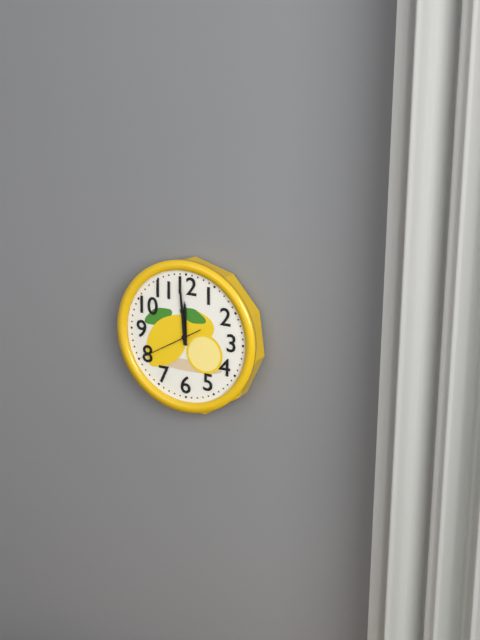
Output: h=11 m=59 s=40
